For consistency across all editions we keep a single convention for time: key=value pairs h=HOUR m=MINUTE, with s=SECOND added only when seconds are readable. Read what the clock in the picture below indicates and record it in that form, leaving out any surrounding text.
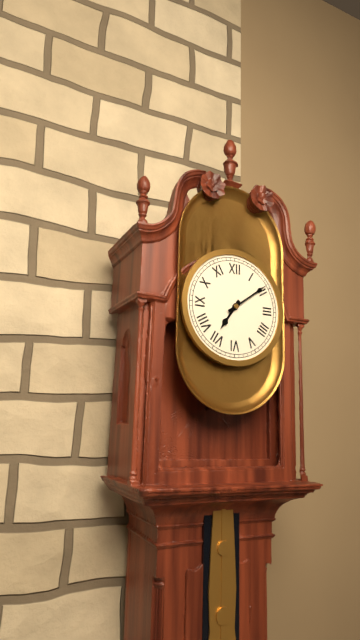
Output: h=7 m=9
